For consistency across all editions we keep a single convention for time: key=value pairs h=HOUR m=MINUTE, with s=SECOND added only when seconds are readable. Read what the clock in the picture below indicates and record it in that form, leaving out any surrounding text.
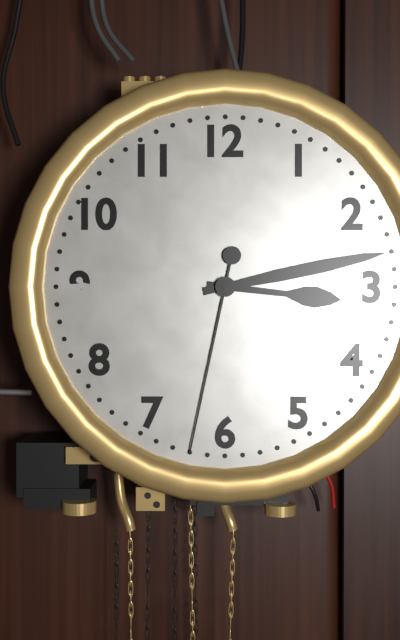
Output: h=3 m=13 s=32
